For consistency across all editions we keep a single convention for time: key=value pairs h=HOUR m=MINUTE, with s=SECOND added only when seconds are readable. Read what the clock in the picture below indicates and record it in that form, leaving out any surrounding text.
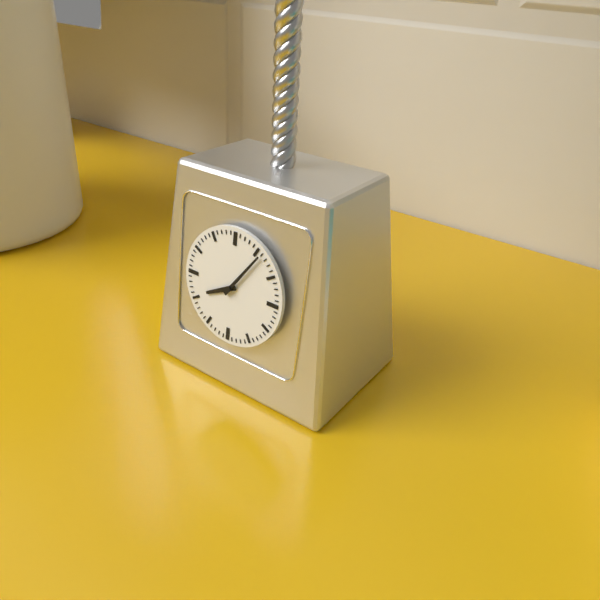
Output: h=8 m=6
